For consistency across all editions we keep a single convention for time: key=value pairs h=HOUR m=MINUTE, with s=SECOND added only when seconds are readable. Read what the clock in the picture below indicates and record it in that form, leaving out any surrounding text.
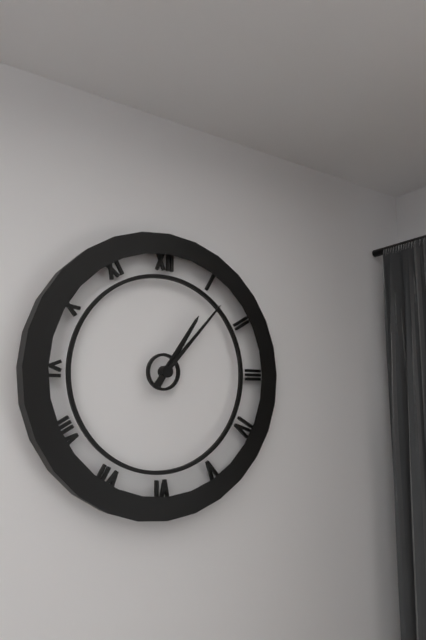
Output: h=1 m=7
